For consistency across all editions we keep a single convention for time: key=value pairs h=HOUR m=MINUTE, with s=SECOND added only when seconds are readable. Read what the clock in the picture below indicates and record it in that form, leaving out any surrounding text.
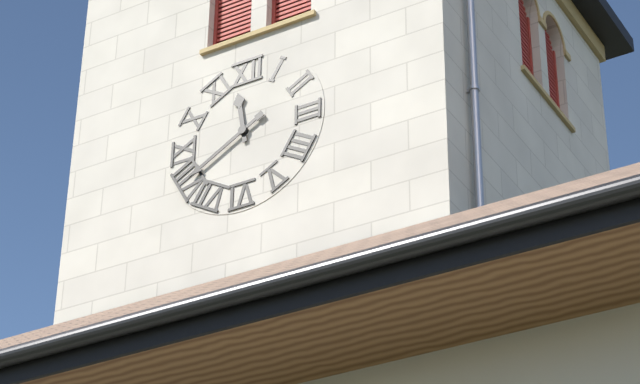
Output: h=11 m=40
